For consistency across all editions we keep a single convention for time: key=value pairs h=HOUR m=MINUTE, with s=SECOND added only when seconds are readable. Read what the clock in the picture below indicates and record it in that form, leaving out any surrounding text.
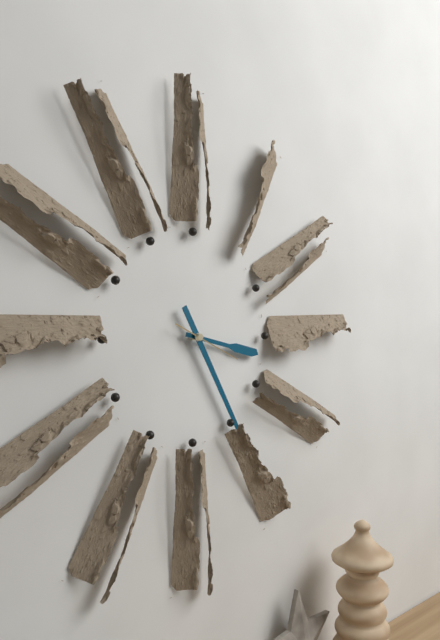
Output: h=3 m=25 s=19
